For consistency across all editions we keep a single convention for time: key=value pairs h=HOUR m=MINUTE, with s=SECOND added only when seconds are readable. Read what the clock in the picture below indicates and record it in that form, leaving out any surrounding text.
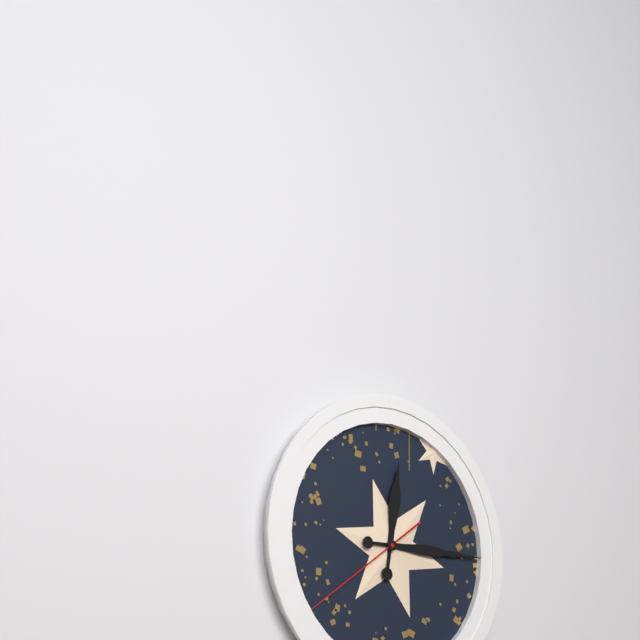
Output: h=12 m=15 s=39
